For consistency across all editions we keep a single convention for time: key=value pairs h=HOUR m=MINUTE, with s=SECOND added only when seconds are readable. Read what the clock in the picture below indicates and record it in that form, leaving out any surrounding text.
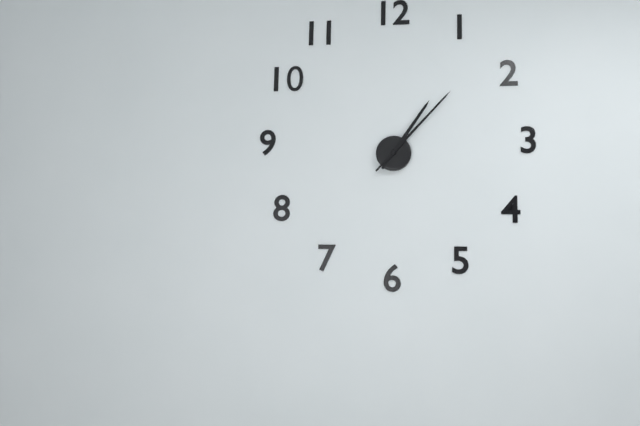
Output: h=1 m=7
